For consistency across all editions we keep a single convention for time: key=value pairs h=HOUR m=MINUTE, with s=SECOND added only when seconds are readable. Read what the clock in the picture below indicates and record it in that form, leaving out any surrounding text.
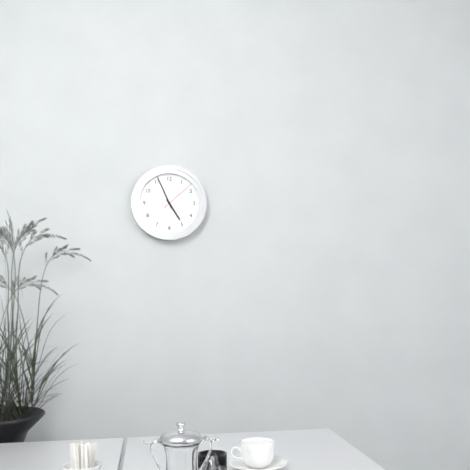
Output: h=4 m=56
